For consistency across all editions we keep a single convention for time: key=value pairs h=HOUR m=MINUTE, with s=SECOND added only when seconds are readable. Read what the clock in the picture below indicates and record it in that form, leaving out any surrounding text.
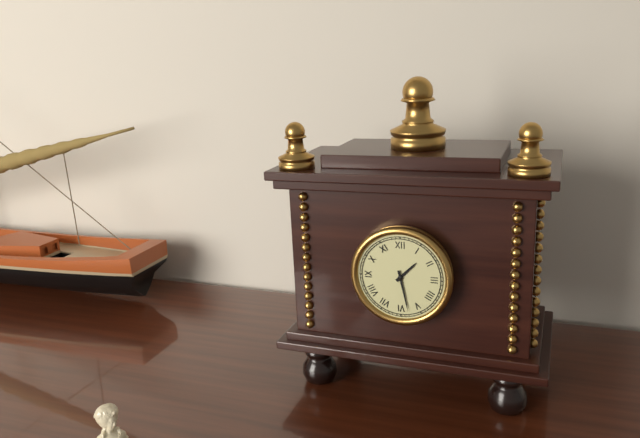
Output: h=1 m=28
